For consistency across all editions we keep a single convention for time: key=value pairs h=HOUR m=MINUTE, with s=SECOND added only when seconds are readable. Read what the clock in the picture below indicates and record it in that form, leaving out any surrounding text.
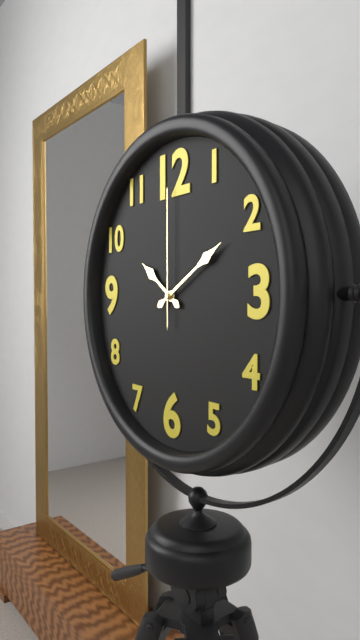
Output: h=10 m=10 s=0
